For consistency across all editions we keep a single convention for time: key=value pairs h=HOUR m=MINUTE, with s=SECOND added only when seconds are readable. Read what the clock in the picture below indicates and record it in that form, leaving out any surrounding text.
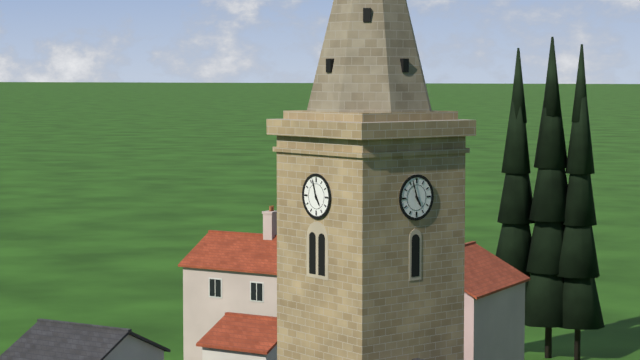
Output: h=4 m=57
